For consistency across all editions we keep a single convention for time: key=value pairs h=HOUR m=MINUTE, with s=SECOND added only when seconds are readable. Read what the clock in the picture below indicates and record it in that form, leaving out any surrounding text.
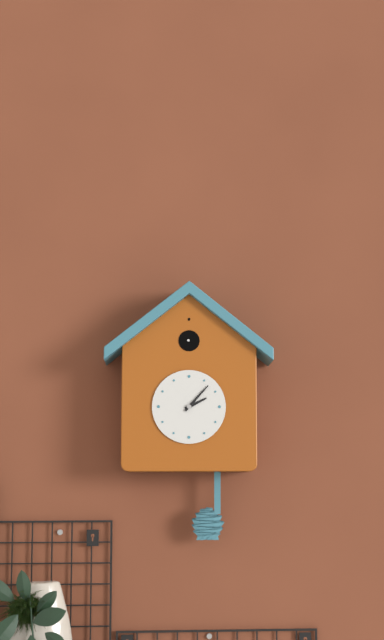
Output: h=2 m=7
